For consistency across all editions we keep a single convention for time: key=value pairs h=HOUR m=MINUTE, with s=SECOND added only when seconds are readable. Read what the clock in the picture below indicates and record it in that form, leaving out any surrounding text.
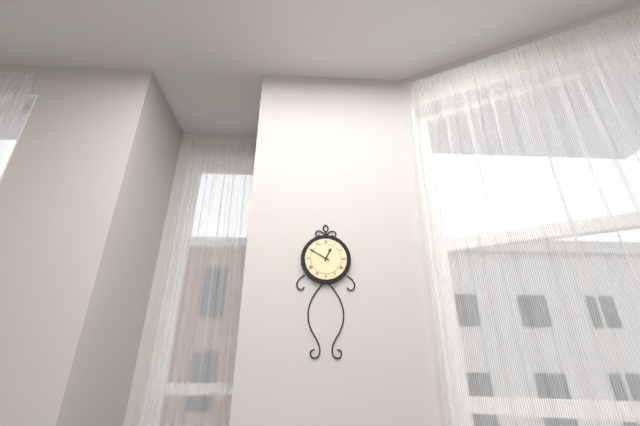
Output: h=12 m=50
